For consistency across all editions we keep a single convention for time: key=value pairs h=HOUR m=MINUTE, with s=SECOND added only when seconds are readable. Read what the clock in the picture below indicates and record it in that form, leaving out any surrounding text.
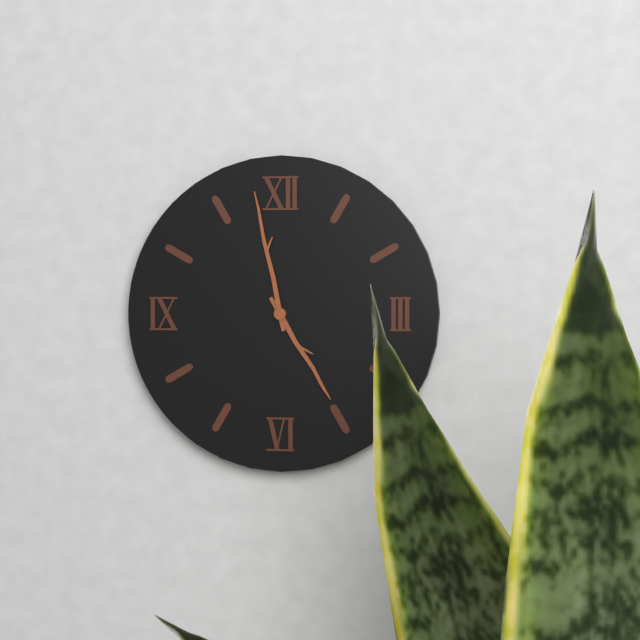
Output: h=4 m=58
